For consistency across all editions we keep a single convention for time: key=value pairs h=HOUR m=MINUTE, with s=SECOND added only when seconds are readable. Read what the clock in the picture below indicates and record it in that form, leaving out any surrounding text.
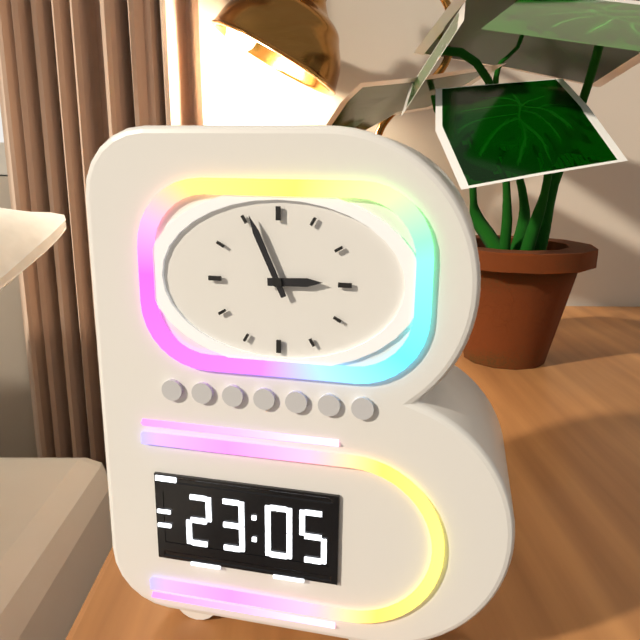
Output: h=2 m=56
